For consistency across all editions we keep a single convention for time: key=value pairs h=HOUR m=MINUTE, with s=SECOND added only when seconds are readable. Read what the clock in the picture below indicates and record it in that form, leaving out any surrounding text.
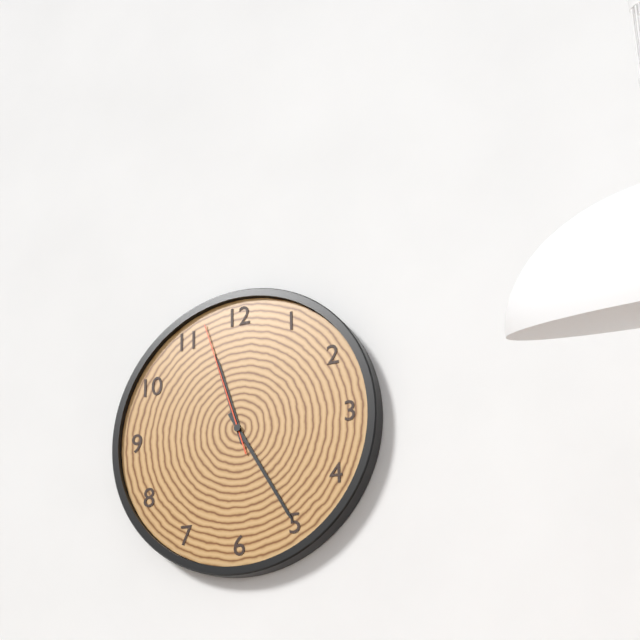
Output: h=11 m=25 s=57
